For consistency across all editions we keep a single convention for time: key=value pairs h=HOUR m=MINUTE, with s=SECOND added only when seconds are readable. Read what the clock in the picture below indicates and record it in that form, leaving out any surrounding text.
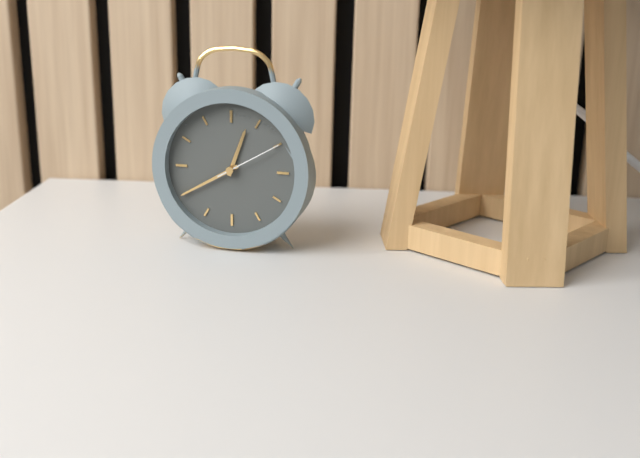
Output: h=12 m=40 s=10
